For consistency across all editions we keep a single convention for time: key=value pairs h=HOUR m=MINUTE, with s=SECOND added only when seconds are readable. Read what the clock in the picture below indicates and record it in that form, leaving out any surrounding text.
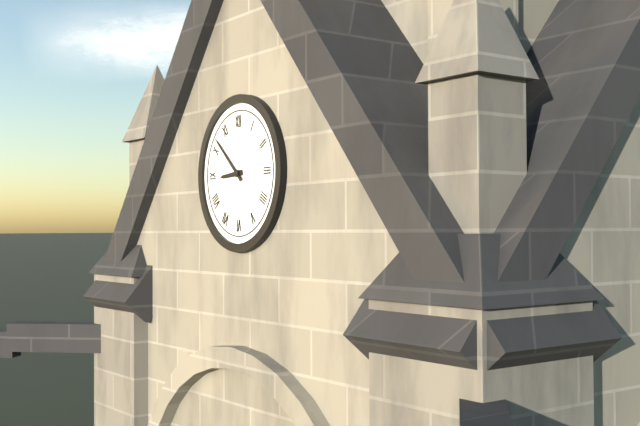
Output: h=8 m=52
